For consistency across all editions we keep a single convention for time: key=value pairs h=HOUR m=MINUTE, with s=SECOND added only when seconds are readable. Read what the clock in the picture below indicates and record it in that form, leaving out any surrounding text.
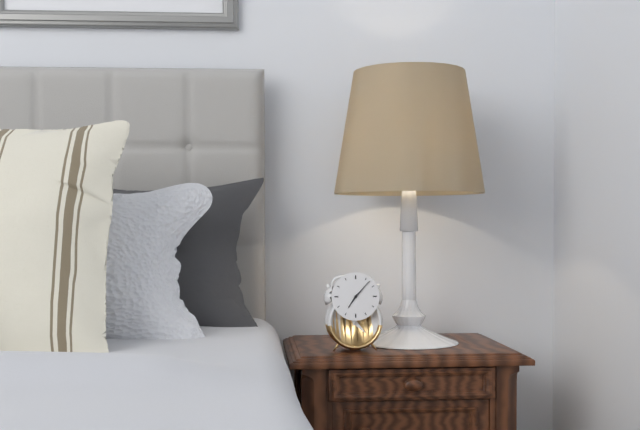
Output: h=7 m=7
